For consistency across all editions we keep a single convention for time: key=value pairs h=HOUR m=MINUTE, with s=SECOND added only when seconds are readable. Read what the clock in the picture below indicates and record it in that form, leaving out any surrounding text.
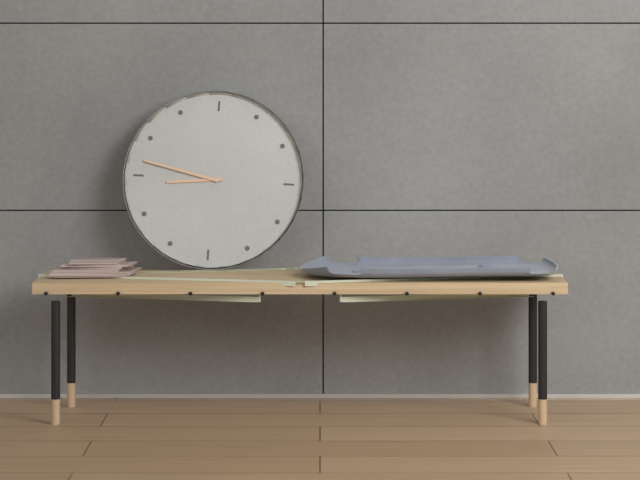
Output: h=8 m=47
